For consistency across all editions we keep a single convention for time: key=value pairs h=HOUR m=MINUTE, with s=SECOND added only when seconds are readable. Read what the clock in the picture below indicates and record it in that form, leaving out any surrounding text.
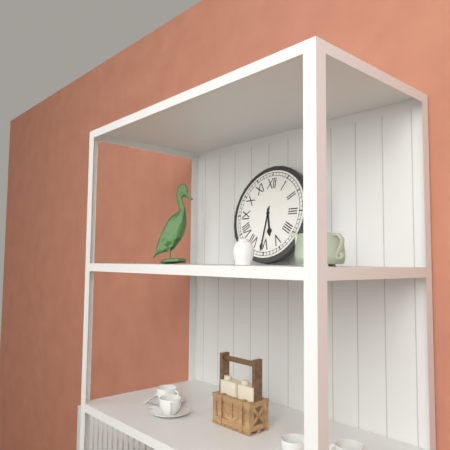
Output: h=5 m=31
